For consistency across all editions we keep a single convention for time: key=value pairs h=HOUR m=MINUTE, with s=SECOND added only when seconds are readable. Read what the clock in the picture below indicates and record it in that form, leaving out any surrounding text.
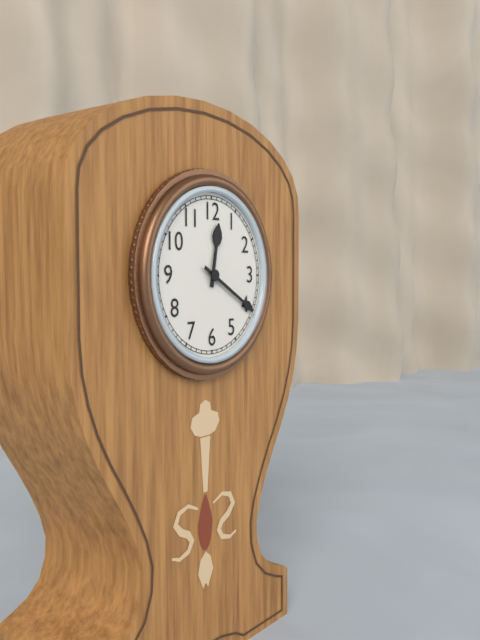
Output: h=12 m=20
